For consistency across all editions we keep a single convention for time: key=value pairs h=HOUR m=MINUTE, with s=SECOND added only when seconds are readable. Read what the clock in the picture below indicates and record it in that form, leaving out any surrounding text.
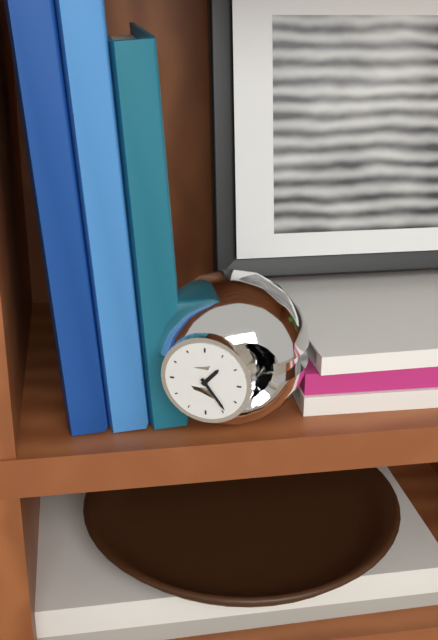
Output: h=1 m=24
